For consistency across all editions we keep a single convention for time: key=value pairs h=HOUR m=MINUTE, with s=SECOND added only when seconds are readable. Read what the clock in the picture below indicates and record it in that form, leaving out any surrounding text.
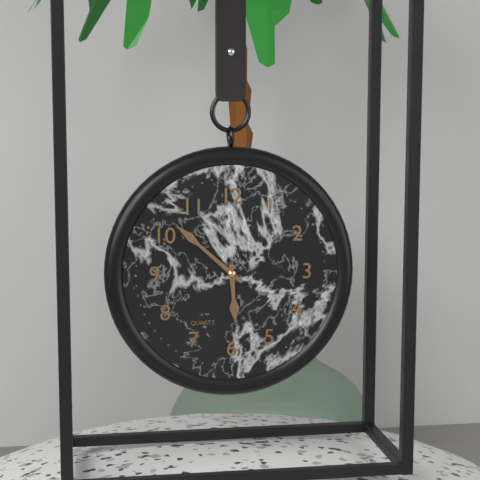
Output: h=5 m=52
